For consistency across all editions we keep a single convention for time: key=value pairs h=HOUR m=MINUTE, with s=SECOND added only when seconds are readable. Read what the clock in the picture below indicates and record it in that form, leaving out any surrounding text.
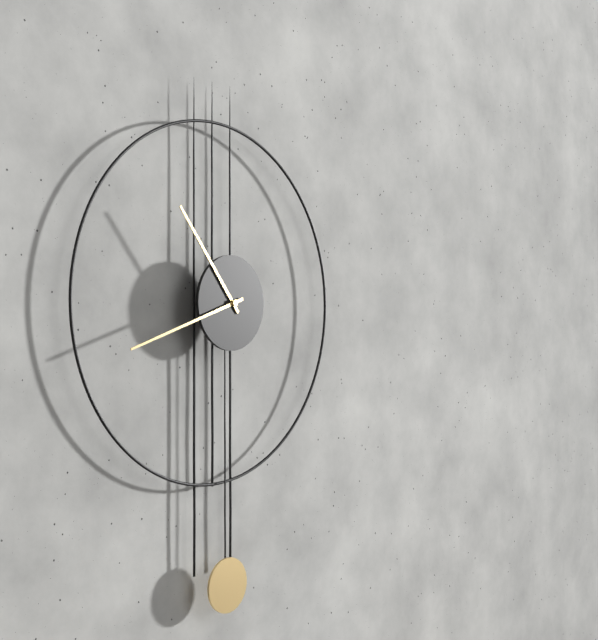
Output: h=10 m=42
